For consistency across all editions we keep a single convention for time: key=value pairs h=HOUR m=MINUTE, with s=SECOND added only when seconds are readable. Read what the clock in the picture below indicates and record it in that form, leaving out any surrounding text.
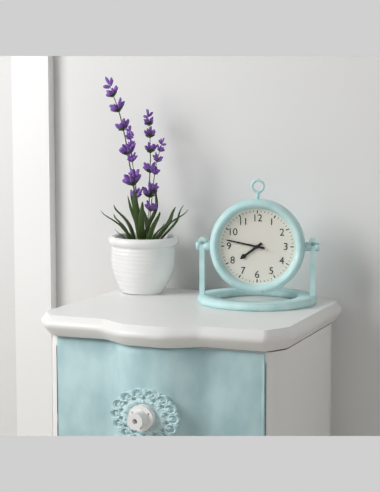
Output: h=7 m=47
